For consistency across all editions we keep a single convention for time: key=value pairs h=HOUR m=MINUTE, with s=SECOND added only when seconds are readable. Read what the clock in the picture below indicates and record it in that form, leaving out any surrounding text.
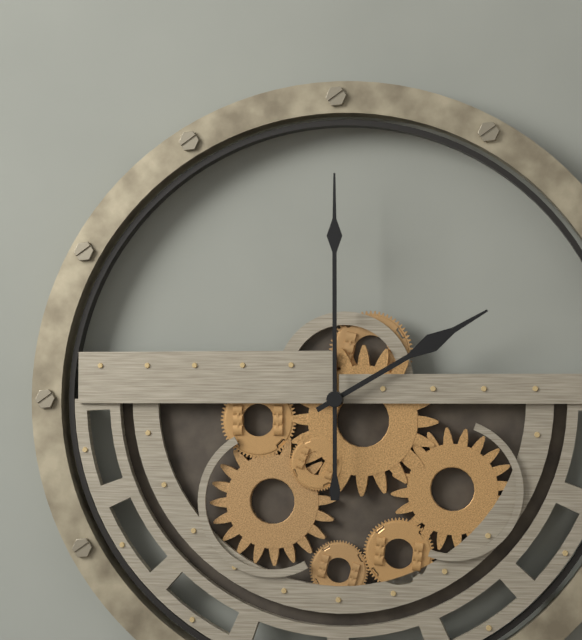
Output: h=2 m=0
